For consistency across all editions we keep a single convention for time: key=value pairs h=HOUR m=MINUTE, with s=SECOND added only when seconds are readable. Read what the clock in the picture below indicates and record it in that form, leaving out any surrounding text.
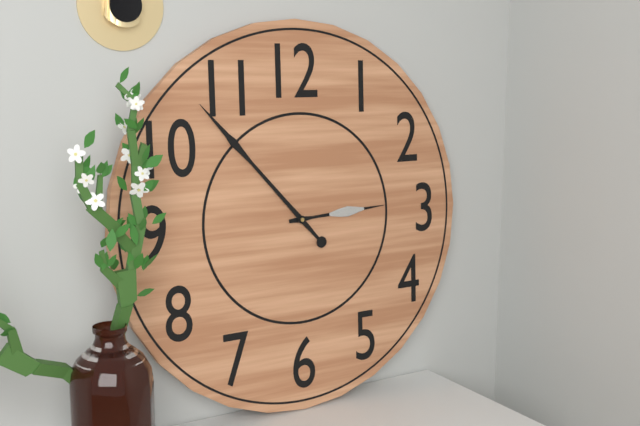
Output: h=2 m=53
